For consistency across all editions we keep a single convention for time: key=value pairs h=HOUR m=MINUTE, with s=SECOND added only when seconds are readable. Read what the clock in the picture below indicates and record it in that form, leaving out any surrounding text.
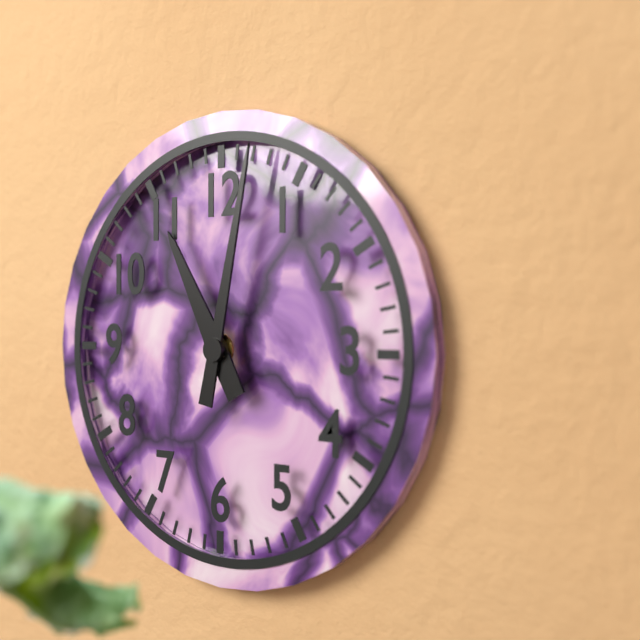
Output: h=11 m=2
